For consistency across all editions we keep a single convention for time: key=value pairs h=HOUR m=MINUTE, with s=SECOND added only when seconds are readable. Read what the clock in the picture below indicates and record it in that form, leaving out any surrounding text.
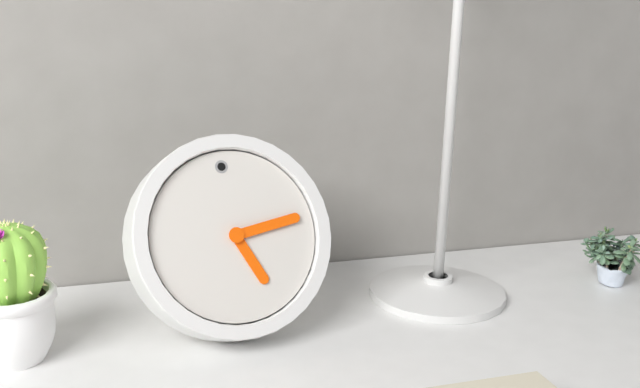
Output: h=5 m=14
